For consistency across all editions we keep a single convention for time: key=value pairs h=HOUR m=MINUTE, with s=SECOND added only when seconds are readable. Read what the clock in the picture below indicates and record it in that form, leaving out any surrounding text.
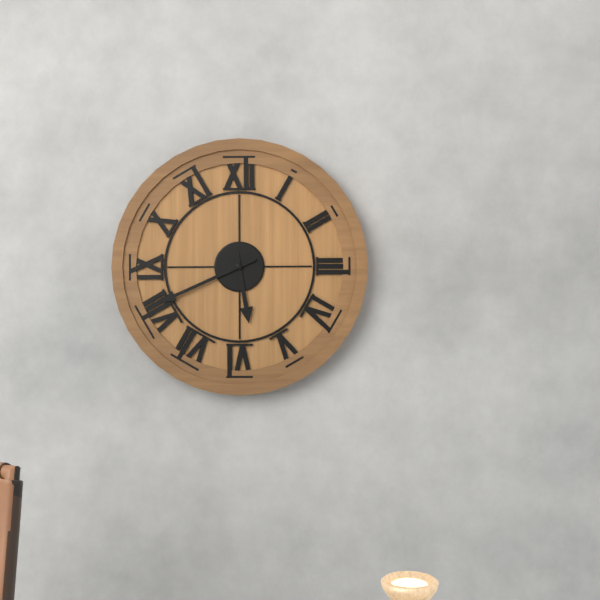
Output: h=5 m=41
